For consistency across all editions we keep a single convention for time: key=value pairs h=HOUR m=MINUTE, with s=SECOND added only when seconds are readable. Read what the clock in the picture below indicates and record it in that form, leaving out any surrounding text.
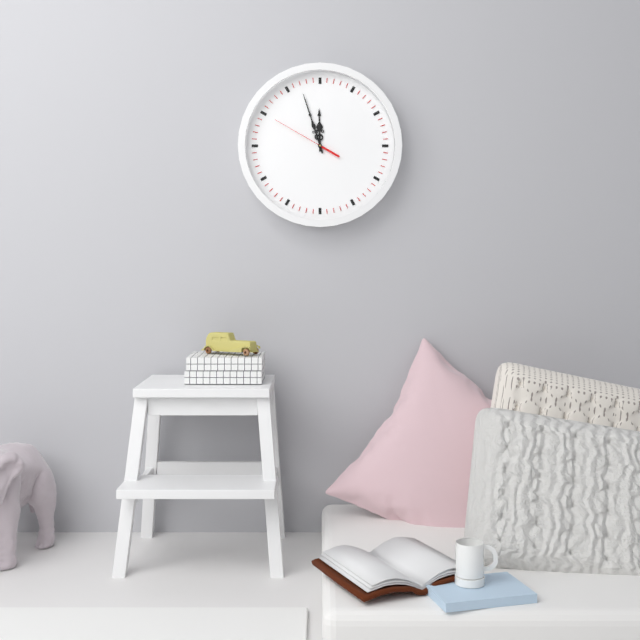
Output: h=11 m=57 s=50
